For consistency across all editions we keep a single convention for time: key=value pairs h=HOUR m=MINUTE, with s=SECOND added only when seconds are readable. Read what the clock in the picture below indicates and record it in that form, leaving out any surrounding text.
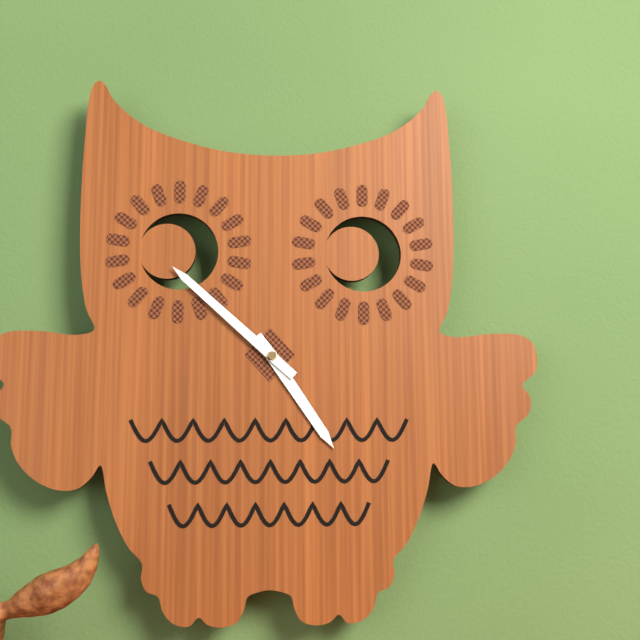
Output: h=4 m=52
